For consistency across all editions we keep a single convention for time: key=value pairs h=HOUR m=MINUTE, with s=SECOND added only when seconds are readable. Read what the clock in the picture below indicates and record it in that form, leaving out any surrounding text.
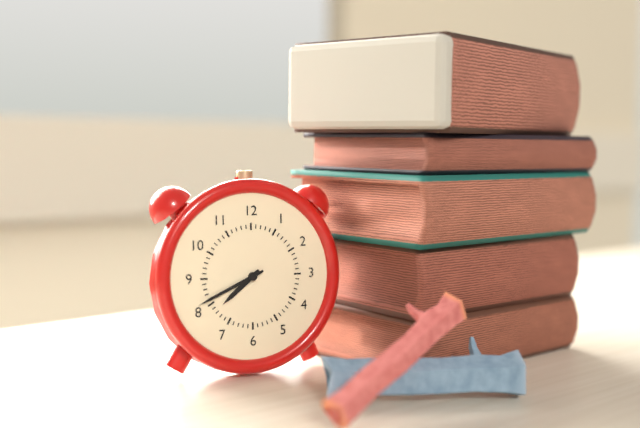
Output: h=7 m=41
